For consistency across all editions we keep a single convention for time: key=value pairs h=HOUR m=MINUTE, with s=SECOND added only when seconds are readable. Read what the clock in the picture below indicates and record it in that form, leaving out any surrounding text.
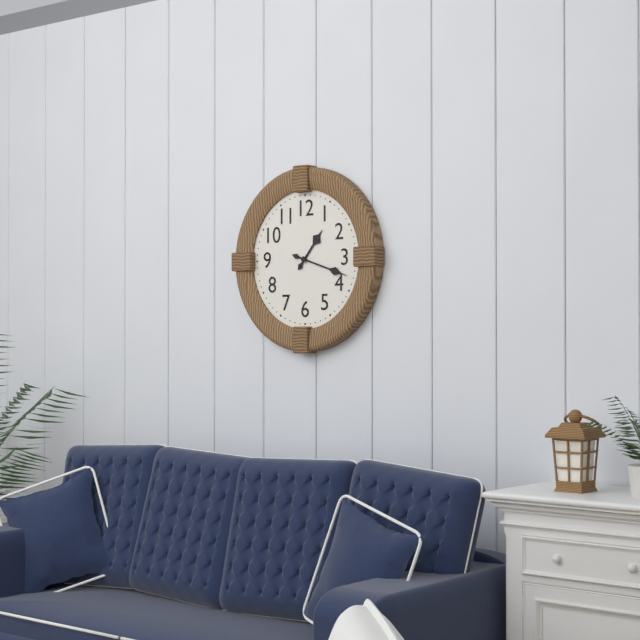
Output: h=1 m=18
